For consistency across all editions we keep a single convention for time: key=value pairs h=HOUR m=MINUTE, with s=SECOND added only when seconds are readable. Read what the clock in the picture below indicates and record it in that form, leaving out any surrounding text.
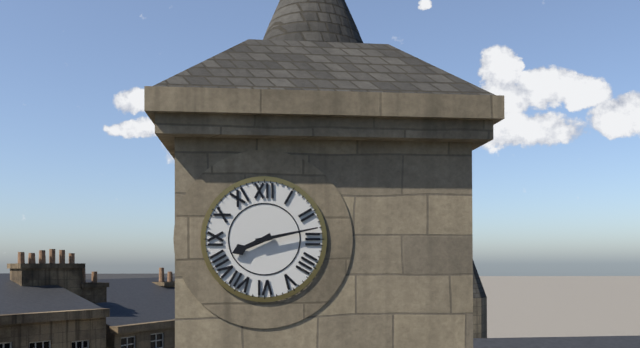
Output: h=8 m=13
